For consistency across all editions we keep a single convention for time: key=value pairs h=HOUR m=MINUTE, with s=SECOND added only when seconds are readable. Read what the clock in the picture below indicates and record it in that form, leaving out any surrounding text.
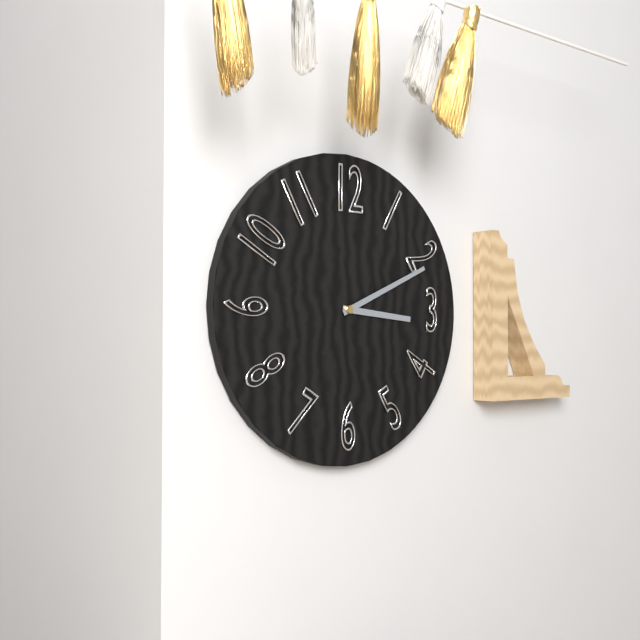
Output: h=3 m=11
